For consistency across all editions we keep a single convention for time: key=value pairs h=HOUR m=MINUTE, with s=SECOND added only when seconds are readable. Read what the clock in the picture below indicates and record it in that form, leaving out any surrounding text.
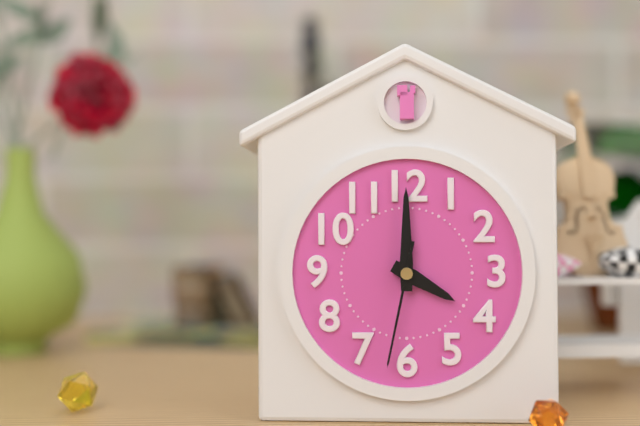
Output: h=4 m=0 s=32
